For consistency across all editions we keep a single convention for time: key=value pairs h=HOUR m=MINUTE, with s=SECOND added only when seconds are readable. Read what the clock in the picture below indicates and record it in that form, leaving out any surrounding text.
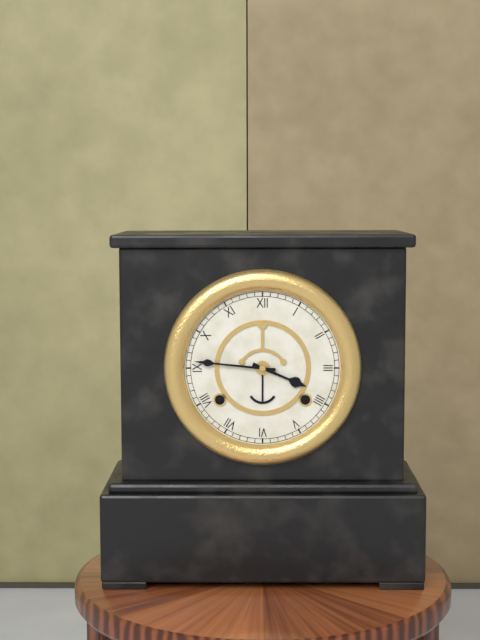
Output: h=3 m=46
